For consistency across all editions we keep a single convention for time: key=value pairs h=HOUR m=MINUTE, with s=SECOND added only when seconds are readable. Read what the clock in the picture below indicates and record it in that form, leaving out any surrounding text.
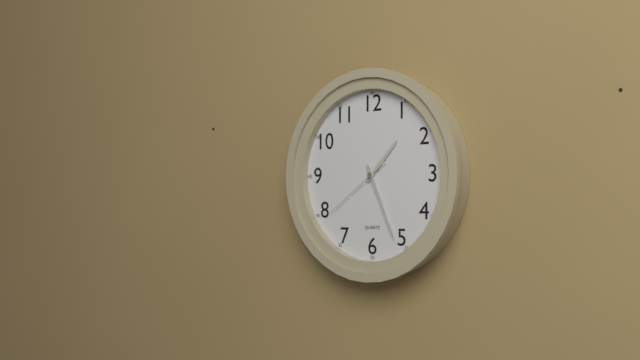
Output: h=1 m=26 s=39
